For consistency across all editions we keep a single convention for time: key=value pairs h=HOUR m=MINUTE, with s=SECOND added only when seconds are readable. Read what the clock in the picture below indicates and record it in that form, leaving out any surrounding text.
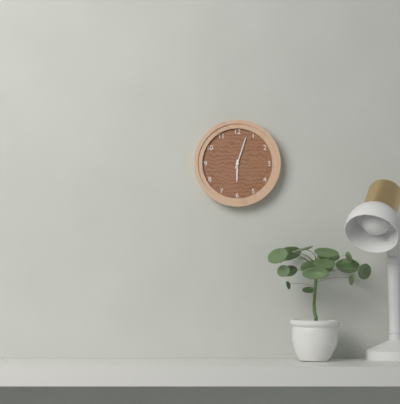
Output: h=6 m=3
